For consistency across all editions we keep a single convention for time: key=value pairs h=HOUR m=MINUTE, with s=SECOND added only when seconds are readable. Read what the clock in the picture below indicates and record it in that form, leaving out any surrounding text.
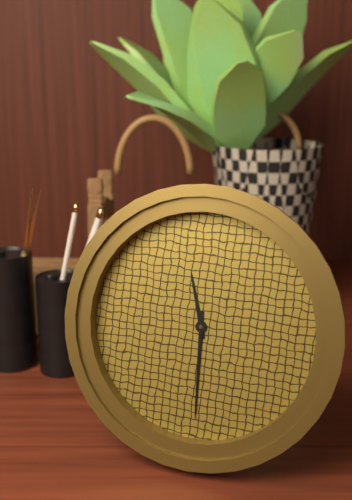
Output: h=11 m=30
